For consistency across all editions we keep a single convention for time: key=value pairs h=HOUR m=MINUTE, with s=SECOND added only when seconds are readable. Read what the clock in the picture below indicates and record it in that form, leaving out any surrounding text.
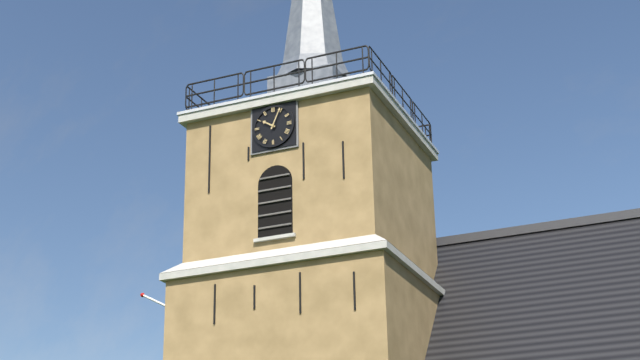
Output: h=10 m=4
